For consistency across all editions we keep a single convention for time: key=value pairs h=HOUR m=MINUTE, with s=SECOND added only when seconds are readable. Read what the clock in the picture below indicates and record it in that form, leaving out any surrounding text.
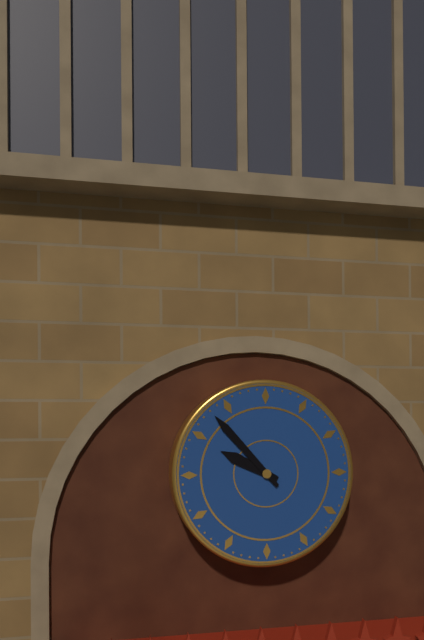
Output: h=9 m=53
